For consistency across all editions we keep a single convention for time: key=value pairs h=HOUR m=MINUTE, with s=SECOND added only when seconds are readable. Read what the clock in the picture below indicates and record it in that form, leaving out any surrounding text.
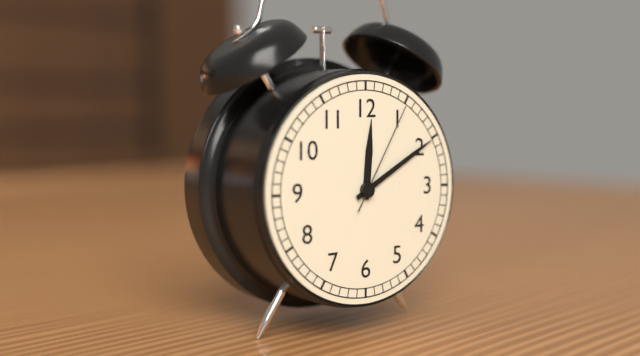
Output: h=12 m=10 s=5
